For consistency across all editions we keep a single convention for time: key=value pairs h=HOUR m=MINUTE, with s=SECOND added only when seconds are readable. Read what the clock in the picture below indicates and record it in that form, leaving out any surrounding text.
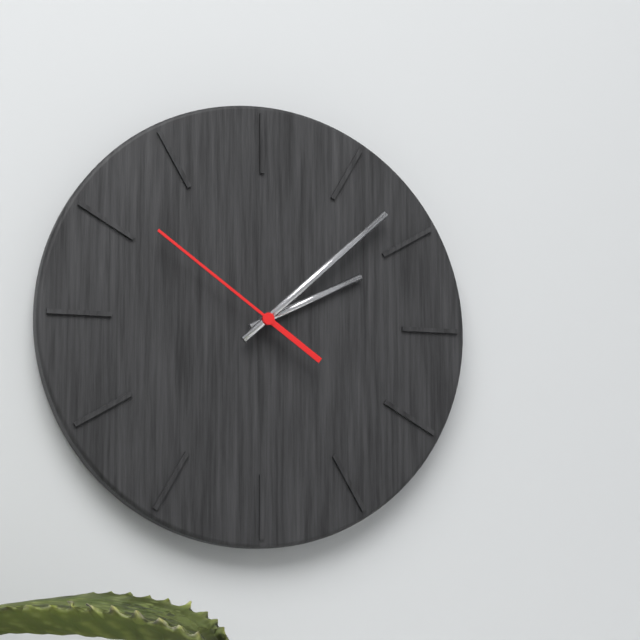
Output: h=2 m=8 s=51
